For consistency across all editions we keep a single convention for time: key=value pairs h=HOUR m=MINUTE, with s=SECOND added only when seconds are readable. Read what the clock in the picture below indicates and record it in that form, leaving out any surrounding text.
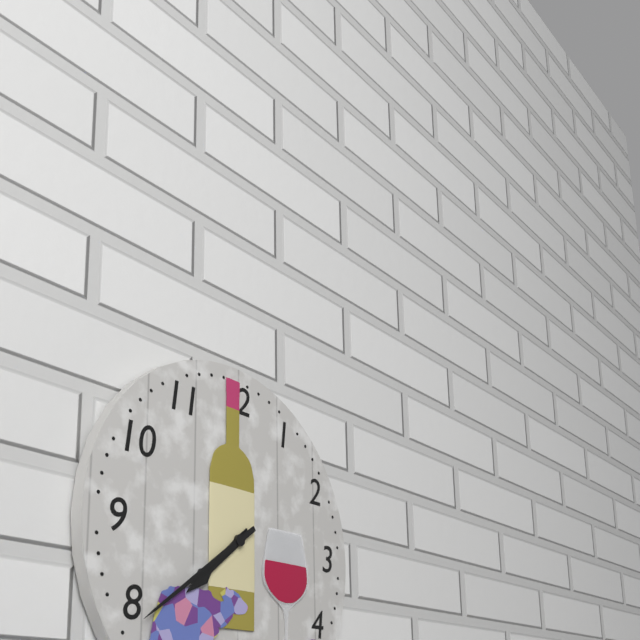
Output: h=7 m=39
